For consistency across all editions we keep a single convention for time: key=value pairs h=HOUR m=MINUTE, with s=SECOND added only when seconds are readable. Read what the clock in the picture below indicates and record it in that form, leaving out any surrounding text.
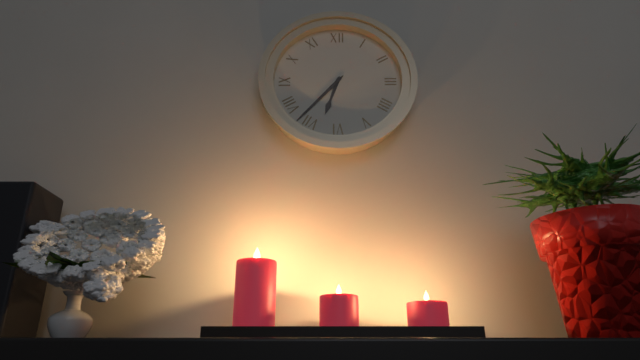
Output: h=6 m=37
